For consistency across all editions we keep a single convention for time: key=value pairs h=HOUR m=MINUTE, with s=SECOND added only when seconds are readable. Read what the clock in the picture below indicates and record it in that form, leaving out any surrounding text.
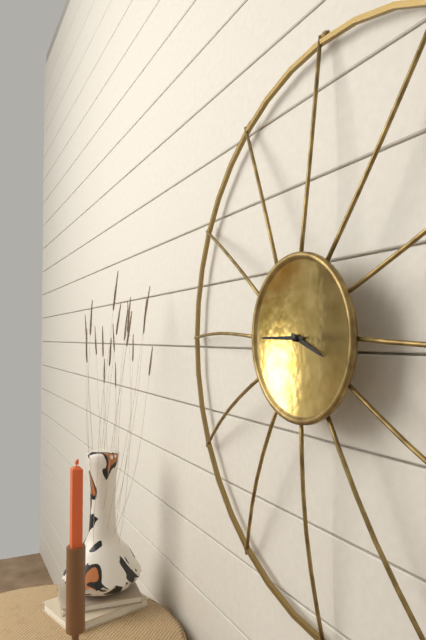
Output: h=3 m=45
